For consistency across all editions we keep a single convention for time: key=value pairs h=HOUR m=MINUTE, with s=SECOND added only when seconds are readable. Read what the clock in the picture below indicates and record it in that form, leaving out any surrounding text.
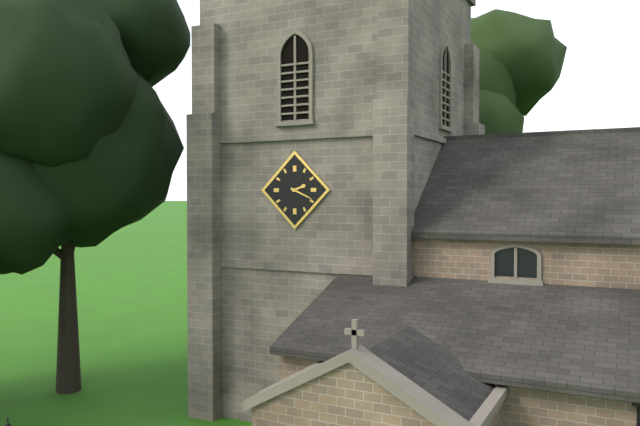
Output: h=2 m=19
